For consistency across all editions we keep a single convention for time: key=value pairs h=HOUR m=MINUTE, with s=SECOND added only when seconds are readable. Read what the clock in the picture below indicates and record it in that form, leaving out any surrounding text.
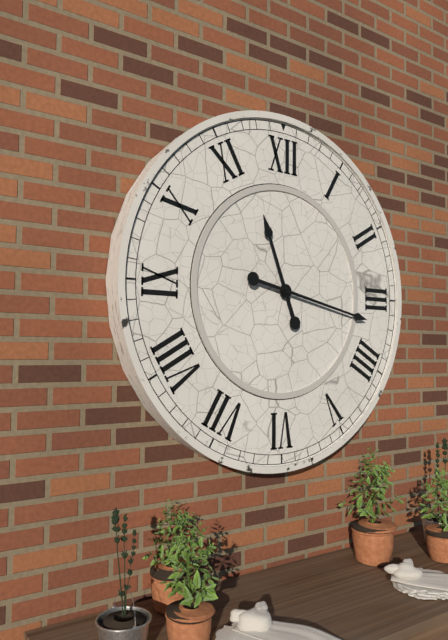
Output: h=11 m=17
